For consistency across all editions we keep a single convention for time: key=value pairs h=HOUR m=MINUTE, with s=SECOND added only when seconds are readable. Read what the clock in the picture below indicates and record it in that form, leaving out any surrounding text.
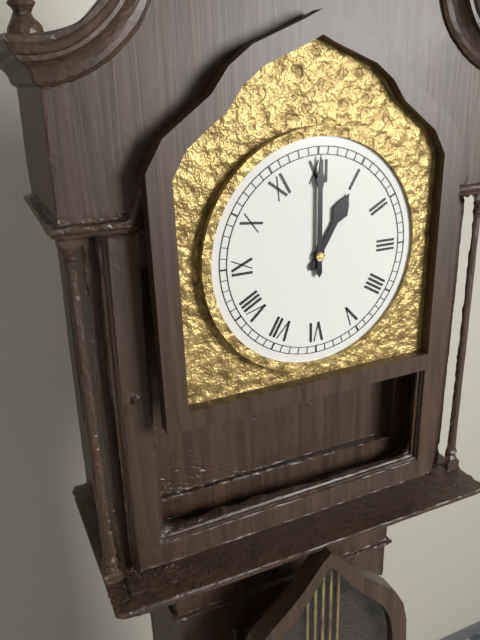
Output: h=1 m=0
